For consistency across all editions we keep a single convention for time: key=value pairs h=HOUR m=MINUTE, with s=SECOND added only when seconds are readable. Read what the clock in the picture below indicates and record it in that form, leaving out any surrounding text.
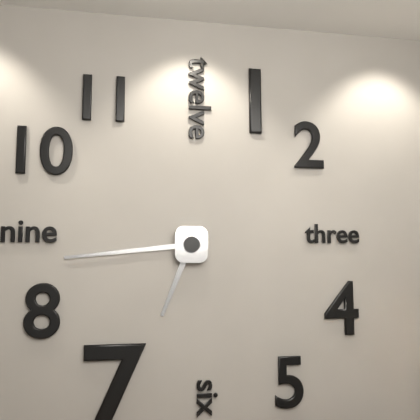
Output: h=6 m=44
